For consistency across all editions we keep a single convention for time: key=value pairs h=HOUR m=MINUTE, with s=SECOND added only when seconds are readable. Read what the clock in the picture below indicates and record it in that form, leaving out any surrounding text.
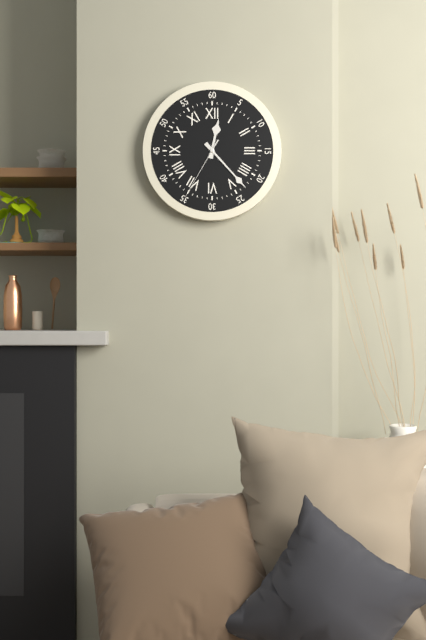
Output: h=12 m=23 s=35
